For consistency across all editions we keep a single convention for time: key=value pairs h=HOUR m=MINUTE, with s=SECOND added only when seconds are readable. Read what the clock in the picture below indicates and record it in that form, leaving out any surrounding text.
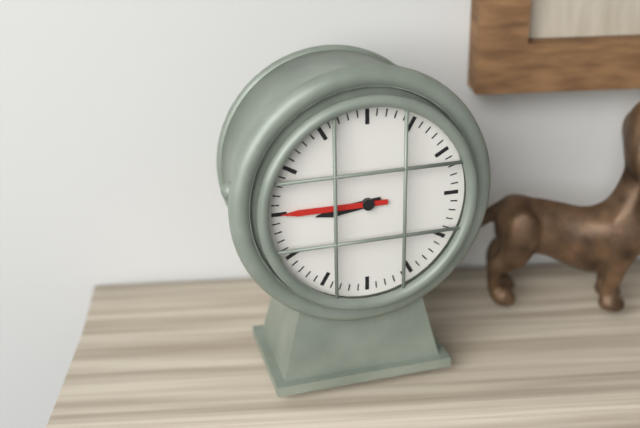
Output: h=8 m=45
